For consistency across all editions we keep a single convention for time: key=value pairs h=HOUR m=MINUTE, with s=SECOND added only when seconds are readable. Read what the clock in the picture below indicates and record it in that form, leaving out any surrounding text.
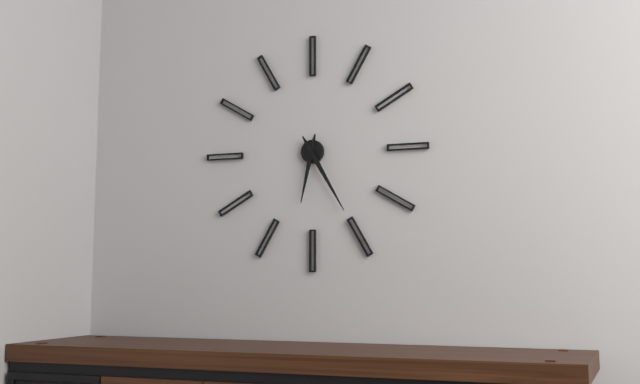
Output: h=6 m=25
